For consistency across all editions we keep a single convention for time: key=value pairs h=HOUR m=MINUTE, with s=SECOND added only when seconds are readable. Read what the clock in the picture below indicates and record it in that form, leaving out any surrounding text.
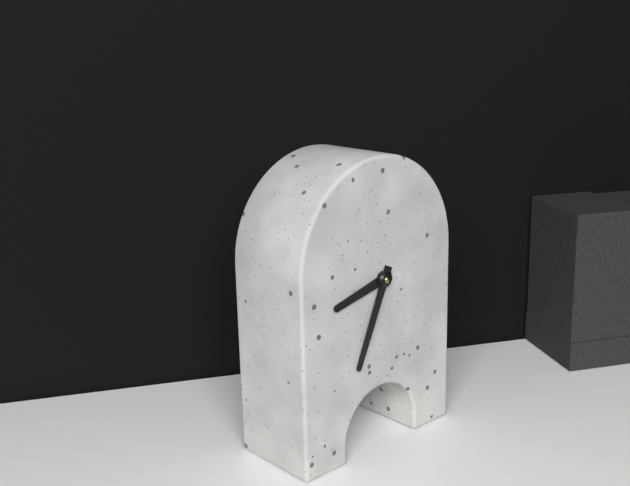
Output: h=8 m=34
